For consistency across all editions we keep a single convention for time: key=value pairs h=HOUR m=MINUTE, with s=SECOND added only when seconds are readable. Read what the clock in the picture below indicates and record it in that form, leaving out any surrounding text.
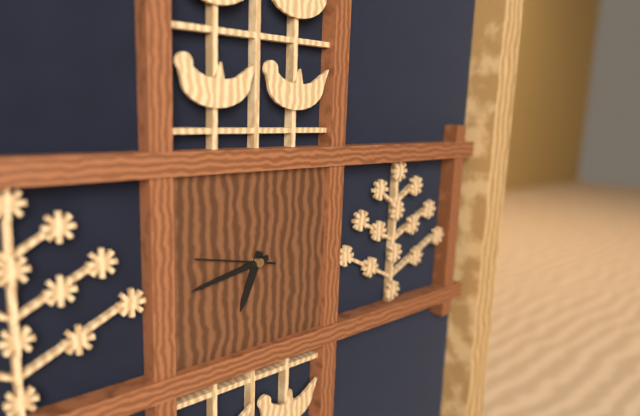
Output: h=6 m=43 s=47
